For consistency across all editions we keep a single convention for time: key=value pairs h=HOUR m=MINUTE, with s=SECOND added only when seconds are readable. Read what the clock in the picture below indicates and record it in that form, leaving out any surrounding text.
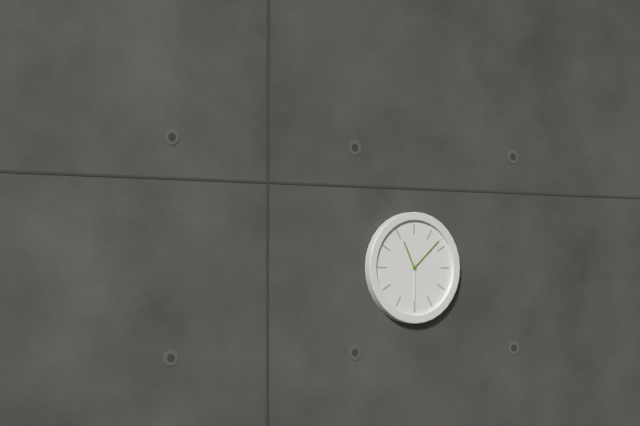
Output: h=11 m=8 s=30
